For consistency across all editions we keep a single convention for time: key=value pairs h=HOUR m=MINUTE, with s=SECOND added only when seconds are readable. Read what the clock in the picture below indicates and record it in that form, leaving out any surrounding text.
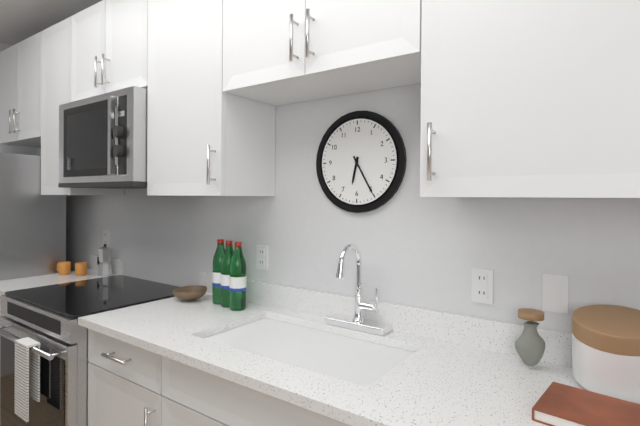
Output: h=6 m=25
